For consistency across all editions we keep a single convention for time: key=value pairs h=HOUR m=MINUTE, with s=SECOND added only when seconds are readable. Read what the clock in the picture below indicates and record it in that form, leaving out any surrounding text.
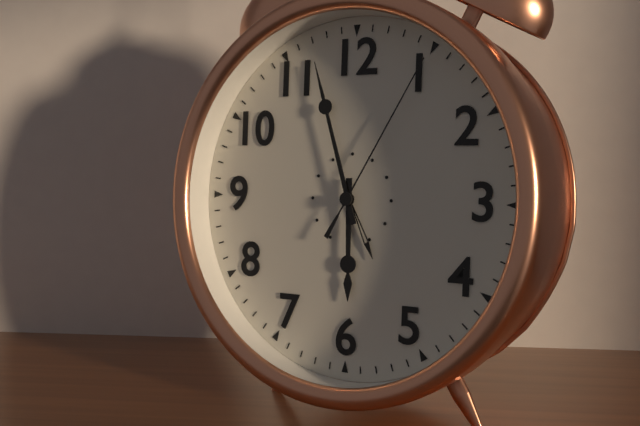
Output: h=5 m=57 s=5
